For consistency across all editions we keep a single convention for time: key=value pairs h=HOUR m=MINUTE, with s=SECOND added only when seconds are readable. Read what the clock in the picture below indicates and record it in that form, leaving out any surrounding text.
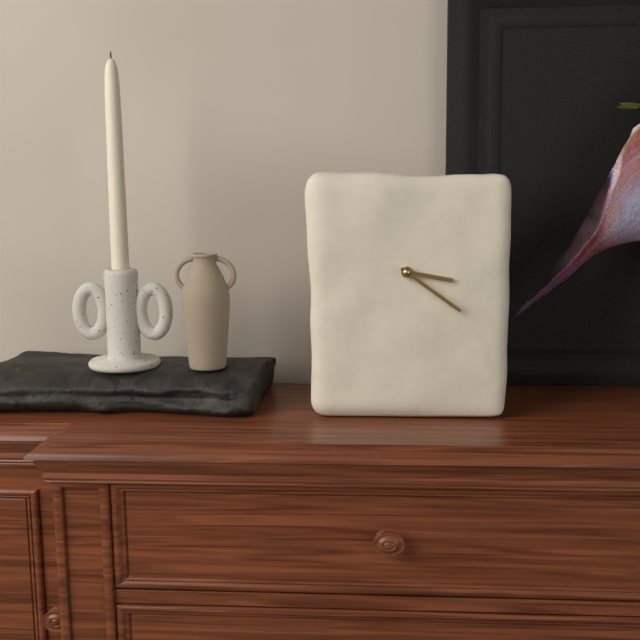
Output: h=3 m=21
